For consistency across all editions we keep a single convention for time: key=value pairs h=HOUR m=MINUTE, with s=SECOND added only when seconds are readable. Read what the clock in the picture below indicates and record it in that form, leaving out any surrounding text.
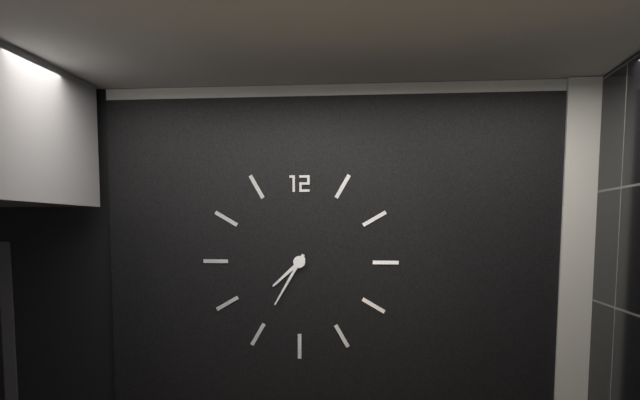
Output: h=7 m=35
